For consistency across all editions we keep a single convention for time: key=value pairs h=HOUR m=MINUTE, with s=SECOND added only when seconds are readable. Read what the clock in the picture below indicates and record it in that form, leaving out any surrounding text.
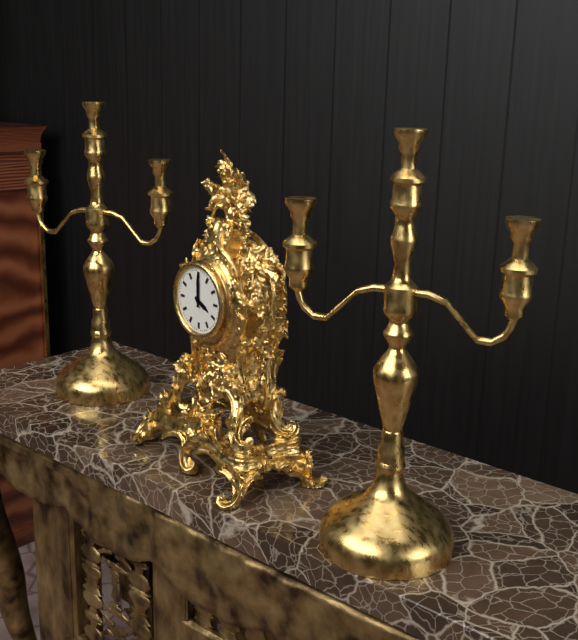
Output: h=4 m=0
